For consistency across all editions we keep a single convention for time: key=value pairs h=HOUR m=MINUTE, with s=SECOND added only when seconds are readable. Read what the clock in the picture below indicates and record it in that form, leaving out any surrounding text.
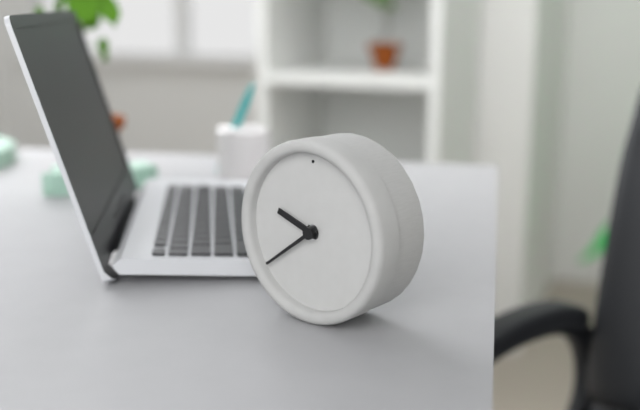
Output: h=9 m=39
